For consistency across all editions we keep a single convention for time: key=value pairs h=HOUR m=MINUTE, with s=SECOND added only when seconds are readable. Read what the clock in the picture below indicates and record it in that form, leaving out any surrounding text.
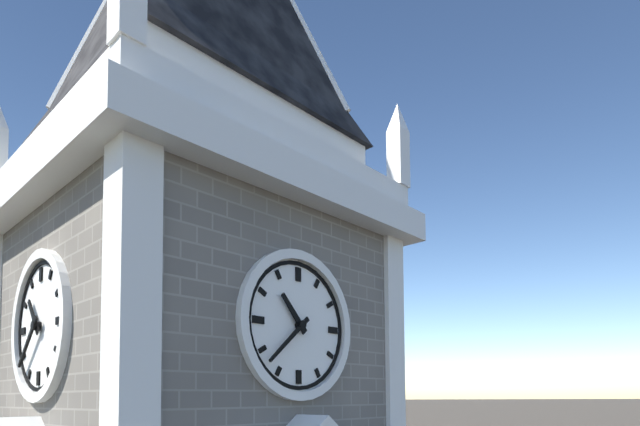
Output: h=10 m=38
